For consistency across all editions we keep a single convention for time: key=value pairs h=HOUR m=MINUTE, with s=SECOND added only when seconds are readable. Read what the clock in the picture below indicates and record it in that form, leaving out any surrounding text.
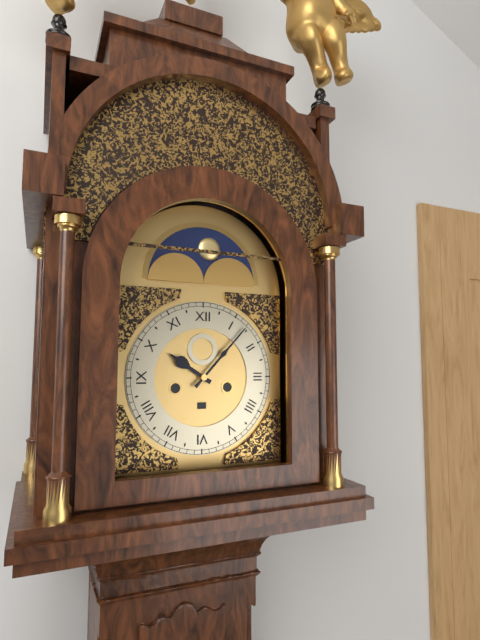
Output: h=10 m=7
